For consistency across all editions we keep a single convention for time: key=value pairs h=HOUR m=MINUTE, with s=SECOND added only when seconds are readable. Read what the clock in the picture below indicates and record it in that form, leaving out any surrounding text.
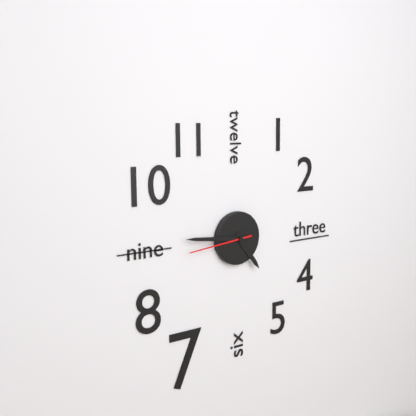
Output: h=4 m=46 s=44
